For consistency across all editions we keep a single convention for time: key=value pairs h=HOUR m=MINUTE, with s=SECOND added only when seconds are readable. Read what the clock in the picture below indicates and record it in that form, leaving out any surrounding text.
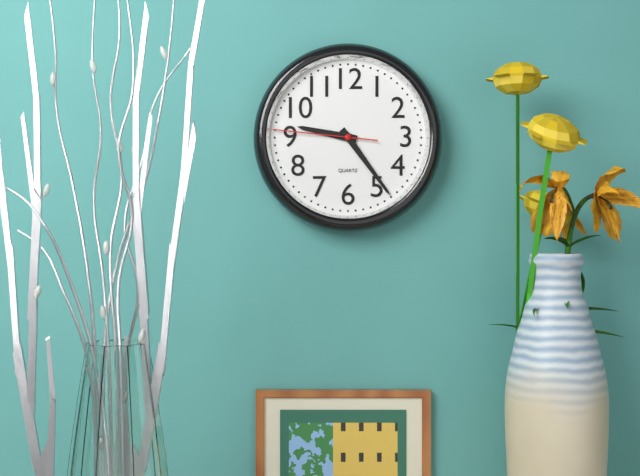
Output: h=9 m=24 s=46
